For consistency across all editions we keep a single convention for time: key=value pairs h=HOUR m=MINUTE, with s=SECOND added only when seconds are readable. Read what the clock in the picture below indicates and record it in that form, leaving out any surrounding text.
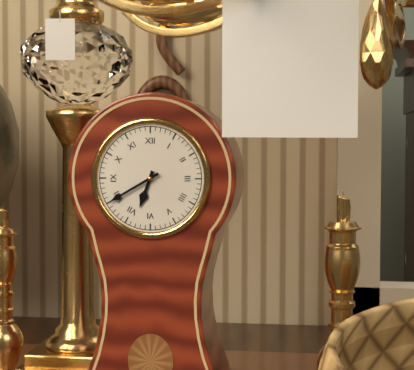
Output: h=6 m=40
